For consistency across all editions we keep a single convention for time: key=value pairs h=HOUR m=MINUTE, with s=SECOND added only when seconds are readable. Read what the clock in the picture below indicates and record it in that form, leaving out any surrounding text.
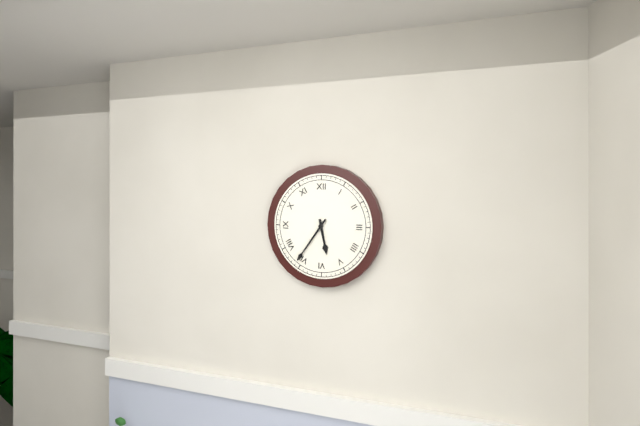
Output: h=5 m=36
